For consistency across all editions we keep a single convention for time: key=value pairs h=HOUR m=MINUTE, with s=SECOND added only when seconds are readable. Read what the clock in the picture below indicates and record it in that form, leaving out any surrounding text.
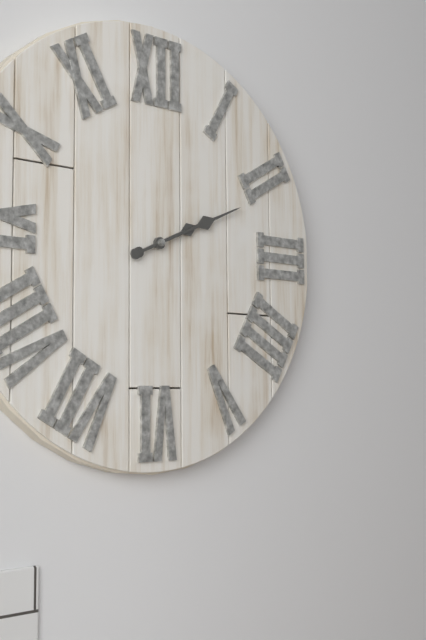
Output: h=2 m=11
